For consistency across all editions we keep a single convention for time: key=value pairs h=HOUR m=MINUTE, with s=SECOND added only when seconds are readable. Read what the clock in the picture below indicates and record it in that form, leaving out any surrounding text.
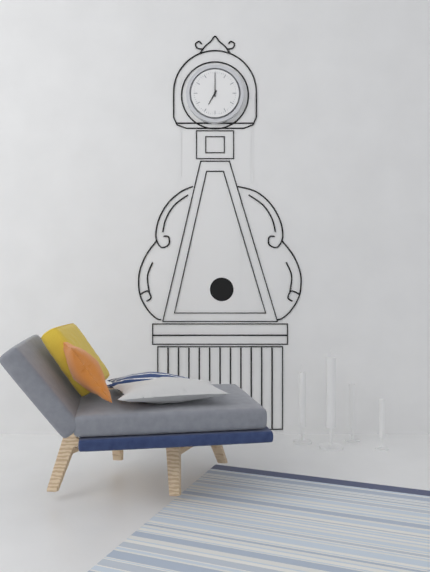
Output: h=7 m=0
